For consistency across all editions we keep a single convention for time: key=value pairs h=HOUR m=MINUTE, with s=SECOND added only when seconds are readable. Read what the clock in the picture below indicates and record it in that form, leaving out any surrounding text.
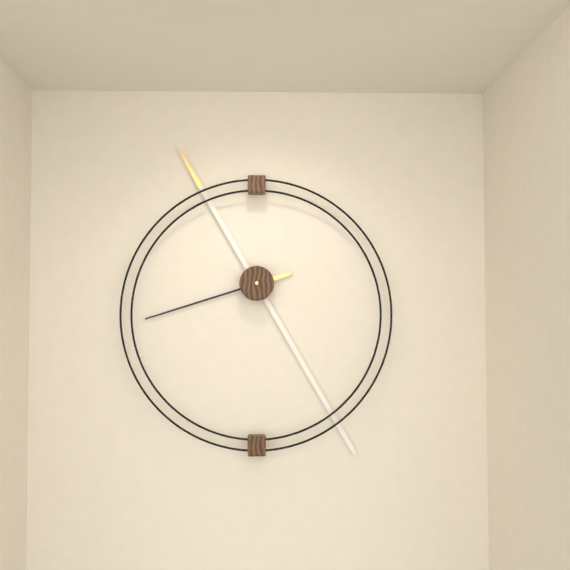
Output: h=8 m=25
